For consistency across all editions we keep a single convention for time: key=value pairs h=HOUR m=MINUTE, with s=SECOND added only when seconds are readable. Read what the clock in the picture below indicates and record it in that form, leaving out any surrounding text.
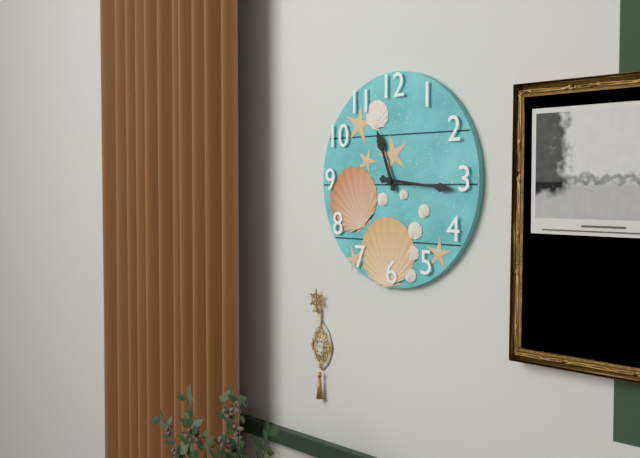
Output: h=11 m=16
